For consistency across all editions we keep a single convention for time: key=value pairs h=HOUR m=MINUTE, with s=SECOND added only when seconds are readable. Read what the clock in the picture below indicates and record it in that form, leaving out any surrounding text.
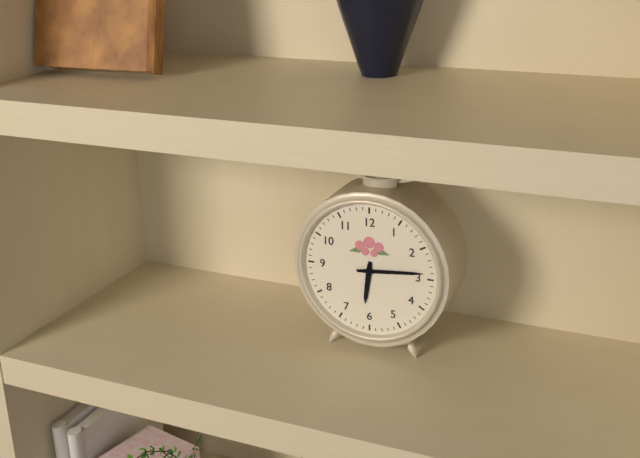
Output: h=6 m=14
